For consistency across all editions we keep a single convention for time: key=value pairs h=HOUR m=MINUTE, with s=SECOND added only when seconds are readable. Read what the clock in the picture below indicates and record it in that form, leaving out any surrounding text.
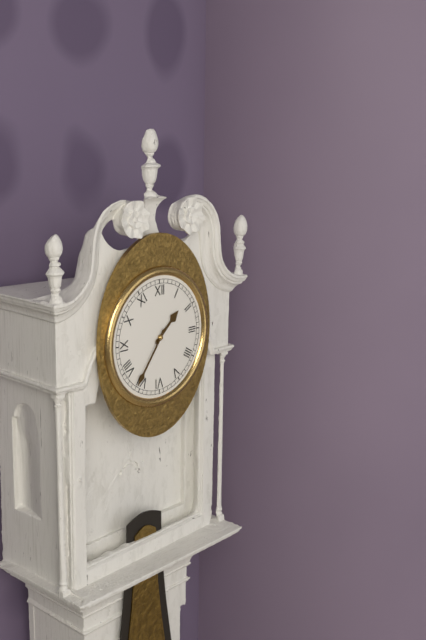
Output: h=1 m=36
